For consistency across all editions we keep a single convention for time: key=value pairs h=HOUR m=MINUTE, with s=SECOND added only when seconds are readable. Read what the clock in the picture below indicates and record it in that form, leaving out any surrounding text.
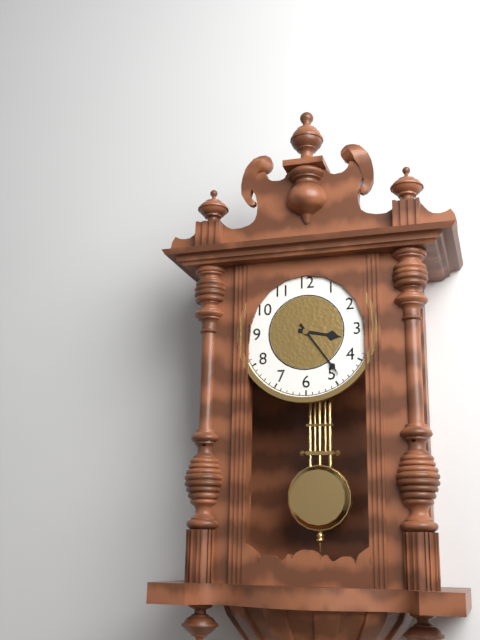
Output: h=3 m=24
